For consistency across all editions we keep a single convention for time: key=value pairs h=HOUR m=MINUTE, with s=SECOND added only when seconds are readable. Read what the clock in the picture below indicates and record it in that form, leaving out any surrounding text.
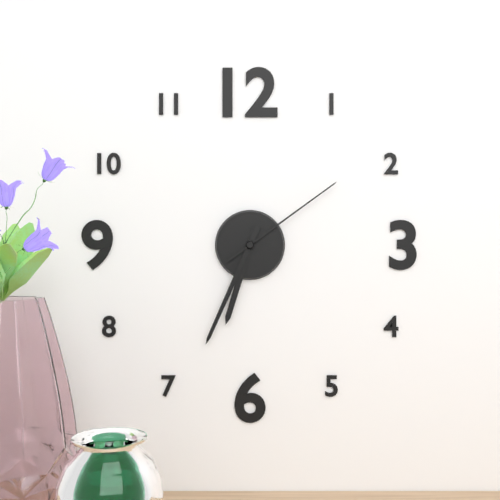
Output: h=6 m=34 s=9
